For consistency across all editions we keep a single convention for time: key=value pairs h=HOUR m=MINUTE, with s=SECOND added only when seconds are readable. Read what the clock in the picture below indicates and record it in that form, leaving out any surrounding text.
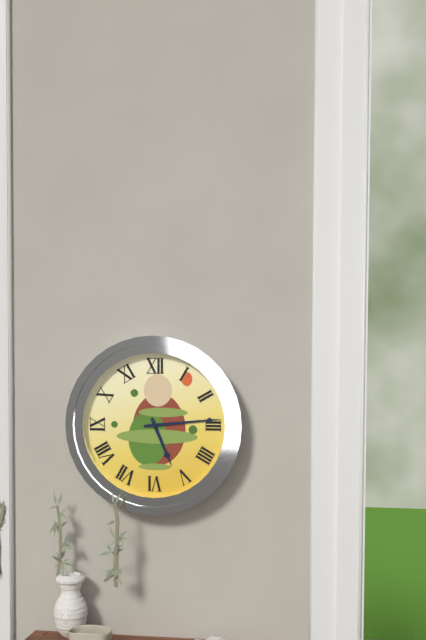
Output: h=5 m=14
